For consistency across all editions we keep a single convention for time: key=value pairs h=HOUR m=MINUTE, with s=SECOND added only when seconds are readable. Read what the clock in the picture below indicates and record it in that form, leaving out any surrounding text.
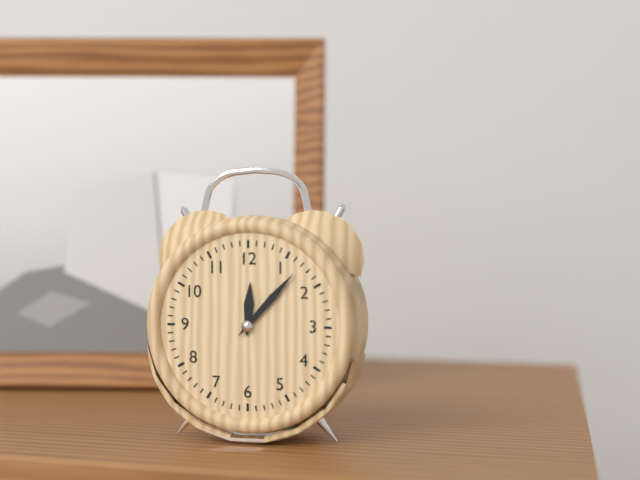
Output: h=12 m=7
